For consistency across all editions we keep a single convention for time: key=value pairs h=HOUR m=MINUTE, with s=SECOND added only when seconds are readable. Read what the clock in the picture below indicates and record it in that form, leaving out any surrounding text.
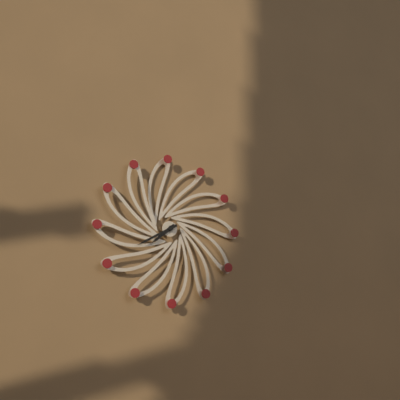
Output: h=7 m=40
